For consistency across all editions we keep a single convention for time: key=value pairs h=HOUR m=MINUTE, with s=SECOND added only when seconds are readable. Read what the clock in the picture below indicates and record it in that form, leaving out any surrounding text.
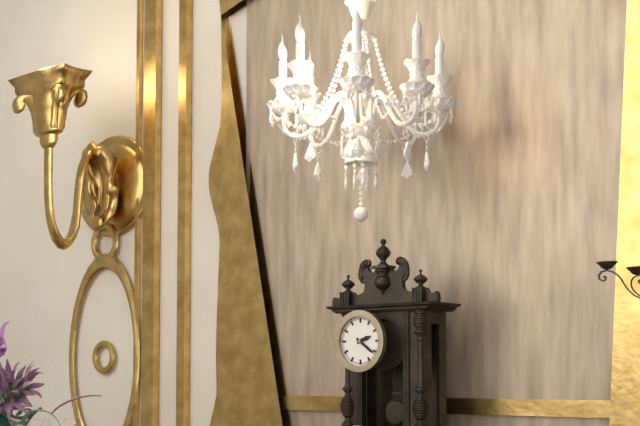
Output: h=2 m=21
